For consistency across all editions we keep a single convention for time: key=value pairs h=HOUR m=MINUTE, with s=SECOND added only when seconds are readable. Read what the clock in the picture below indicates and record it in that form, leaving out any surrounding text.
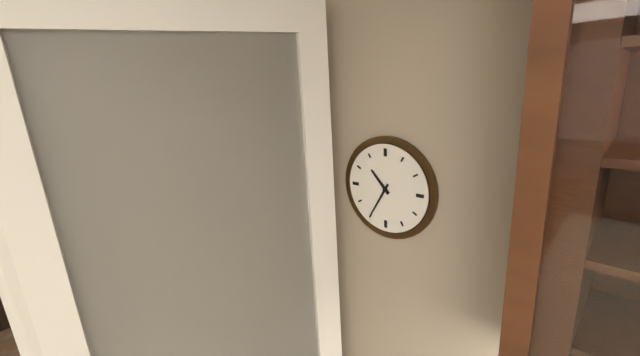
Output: h=10 m=35
